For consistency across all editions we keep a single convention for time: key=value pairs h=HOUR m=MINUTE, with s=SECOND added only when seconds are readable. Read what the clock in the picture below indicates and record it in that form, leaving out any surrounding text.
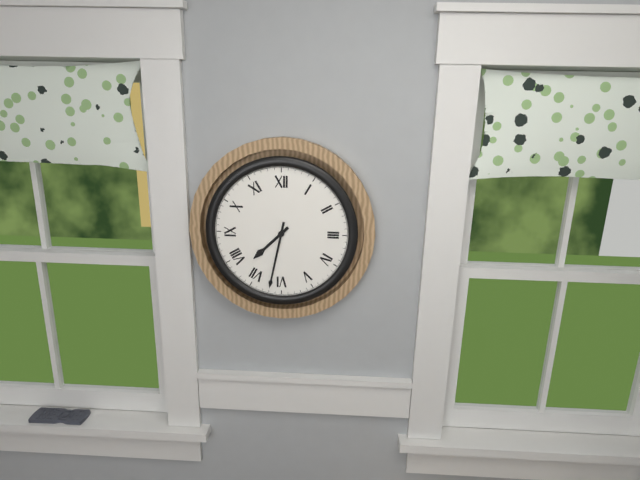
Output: h=7 m=32
